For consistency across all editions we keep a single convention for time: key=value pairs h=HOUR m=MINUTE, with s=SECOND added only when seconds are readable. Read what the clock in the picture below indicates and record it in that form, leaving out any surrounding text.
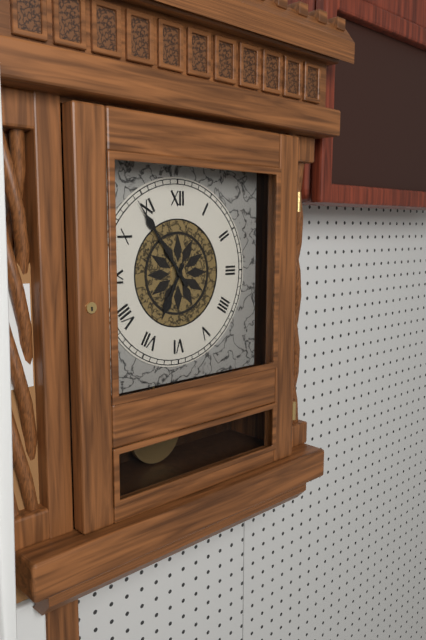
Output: h=6 m=54
